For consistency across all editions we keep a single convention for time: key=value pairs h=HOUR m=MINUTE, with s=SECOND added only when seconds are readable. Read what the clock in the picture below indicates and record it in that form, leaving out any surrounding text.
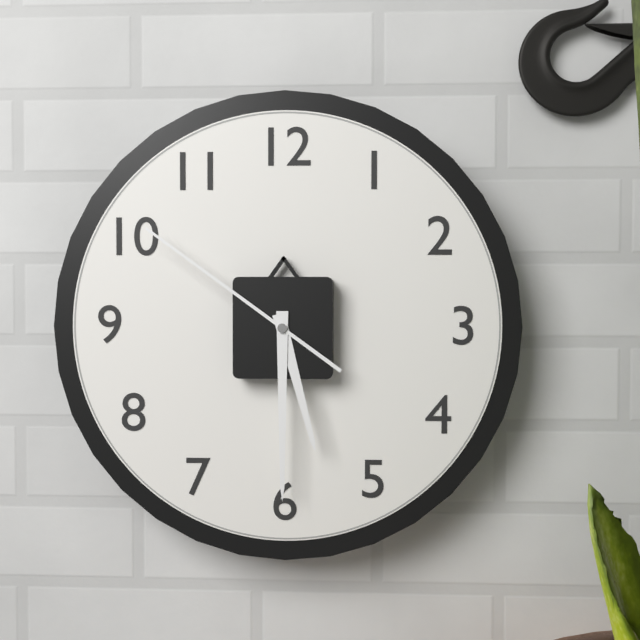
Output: h=5 m=30 s=51
